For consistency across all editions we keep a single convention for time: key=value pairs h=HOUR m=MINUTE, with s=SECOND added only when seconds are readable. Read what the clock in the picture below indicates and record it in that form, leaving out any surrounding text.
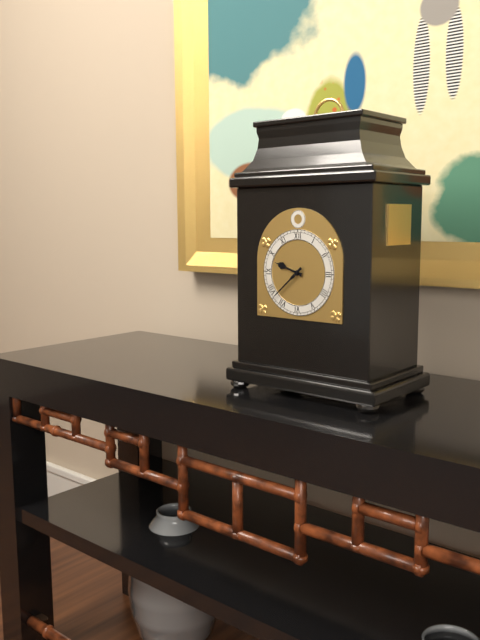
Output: h=9 m=38
